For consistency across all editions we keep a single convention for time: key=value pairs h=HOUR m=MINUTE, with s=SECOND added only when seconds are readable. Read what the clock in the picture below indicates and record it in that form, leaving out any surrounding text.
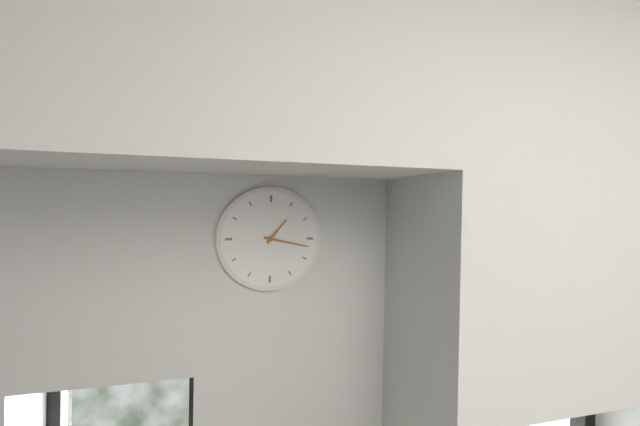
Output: h=1 m=17
